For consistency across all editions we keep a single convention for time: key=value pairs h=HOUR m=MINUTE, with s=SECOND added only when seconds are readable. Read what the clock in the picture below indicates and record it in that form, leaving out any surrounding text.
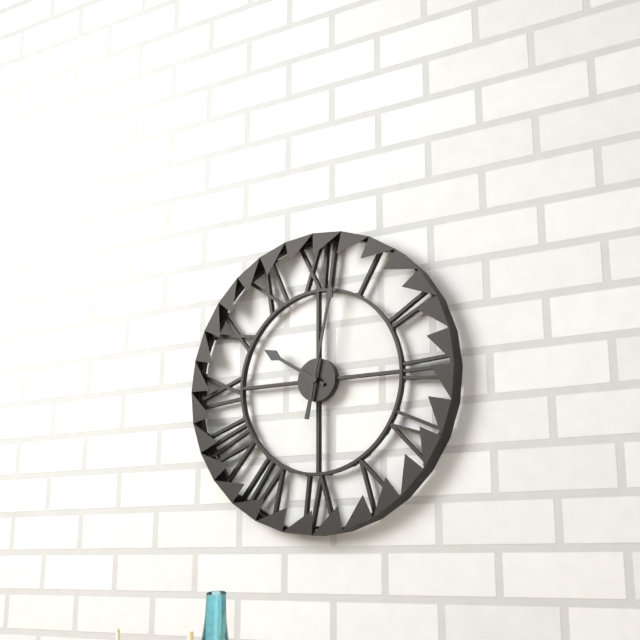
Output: h=10 m=2
